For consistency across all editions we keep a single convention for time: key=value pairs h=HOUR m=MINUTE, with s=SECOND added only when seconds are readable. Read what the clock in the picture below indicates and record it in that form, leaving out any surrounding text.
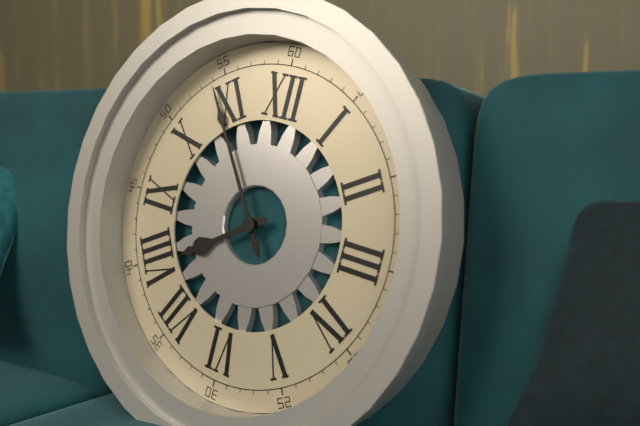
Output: h=7 m=54
